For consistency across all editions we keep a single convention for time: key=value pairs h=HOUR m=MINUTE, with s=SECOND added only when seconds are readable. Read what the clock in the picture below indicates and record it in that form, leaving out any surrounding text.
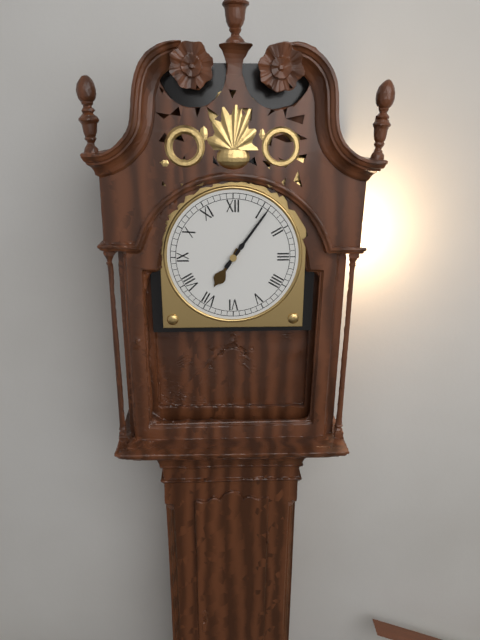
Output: h=7 m=6
